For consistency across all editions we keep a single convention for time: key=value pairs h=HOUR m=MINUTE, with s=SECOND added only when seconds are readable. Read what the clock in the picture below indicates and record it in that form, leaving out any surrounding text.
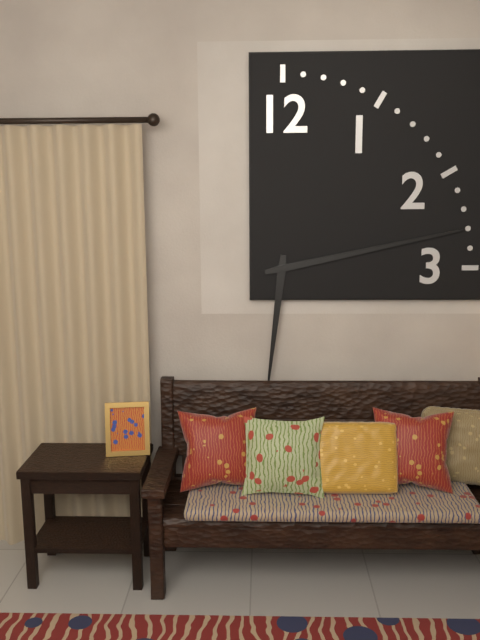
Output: h=6 m=13
